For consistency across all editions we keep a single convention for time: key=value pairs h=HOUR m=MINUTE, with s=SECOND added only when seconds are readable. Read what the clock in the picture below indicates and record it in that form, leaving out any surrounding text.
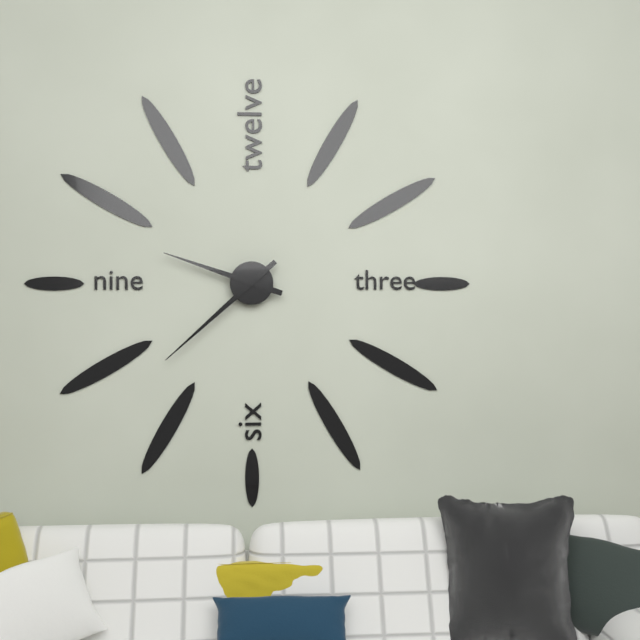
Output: h=9 m=38
